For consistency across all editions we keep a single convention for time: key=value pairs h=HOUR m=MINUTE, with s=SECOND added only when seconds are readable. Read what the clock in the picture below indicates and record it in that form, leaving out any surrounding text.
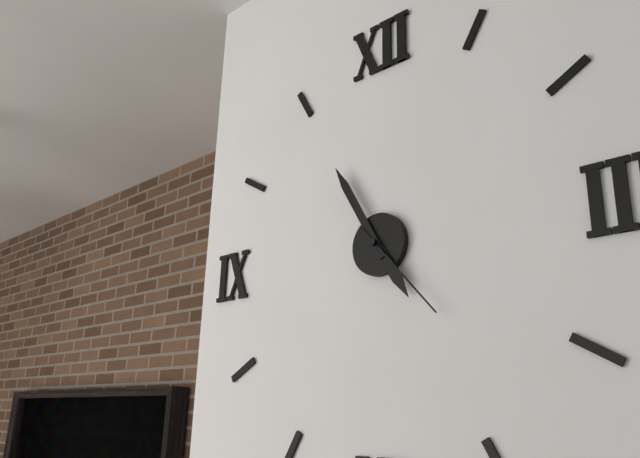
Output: h=4 m=55 s=23
